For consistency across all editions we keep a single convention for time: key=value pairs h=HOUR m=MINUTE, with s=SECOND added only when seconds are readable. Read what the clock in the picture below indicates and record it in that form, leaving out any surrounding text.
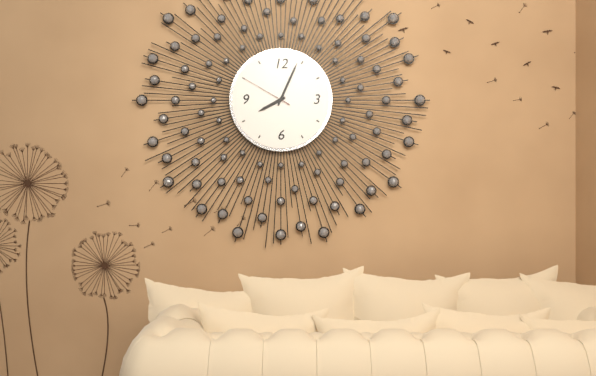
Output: h=8 m=4 s=50
